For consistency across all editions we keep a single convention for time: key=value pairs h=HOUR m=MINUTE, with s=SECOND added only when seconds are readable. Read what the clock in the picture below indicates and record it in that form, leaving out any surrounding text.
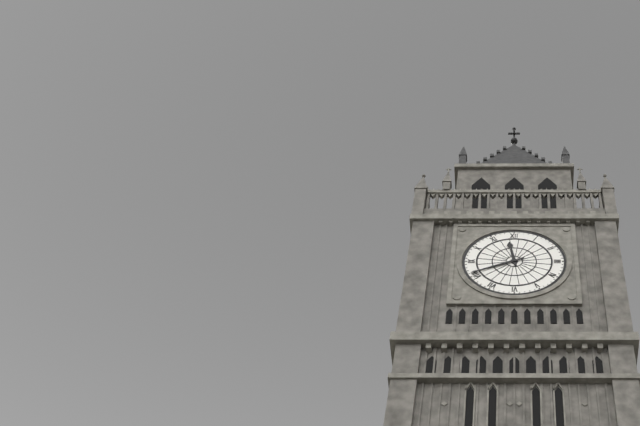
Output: h=11 m=41
